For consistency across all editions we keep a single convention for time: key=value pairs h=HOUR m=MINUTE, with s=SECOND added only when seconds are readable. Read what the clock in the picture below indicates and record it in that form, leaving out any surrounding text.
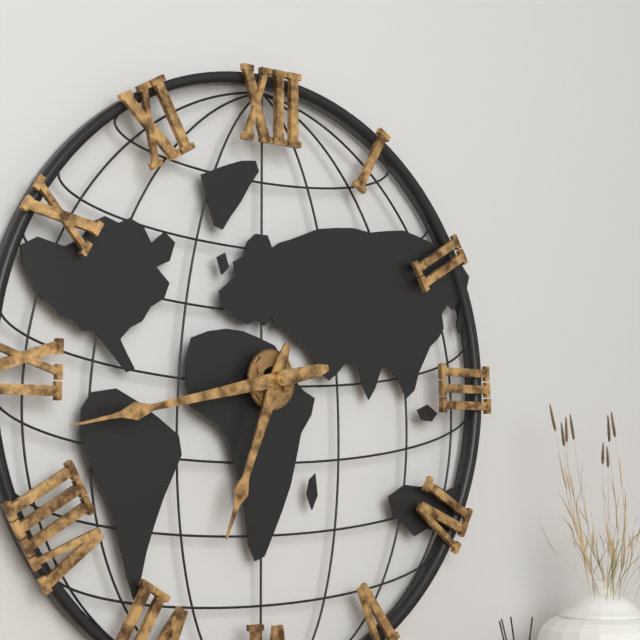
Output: h=6 m=43
